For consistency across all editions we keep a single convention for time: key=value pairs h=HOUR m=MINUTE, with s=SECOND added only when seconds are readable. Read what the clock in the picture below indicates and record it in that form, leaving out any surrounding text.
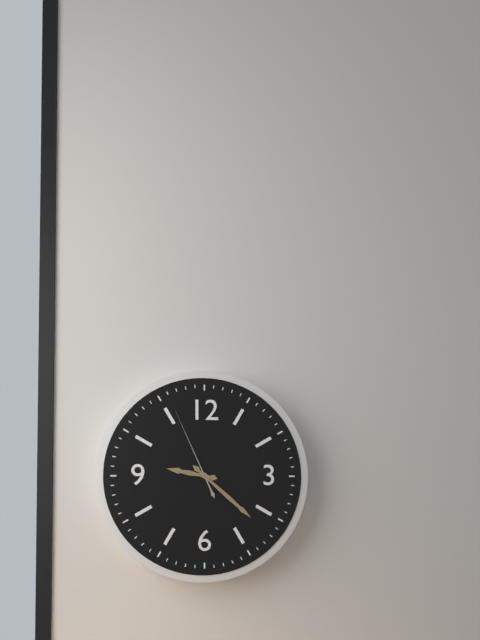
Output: h=9 m=22 s=56
